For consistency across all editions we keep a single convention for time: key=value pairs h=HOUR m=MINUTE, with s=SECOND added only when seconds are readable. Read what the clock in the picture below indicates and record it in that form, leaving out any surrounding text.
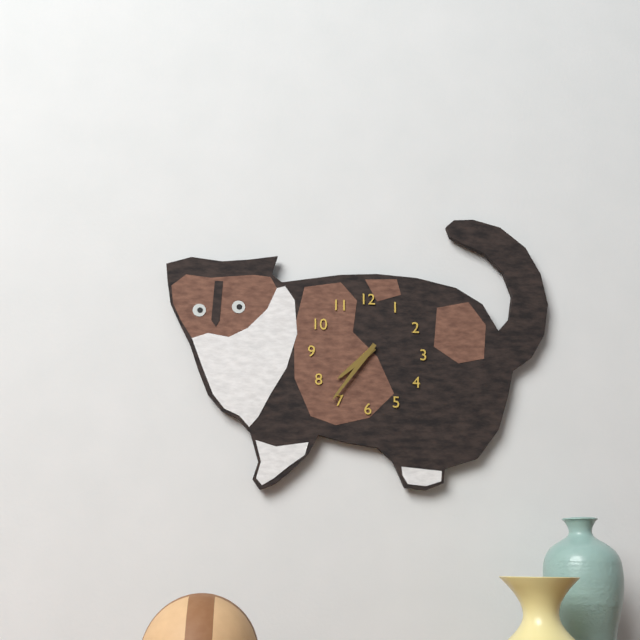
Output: h=7 m=36
